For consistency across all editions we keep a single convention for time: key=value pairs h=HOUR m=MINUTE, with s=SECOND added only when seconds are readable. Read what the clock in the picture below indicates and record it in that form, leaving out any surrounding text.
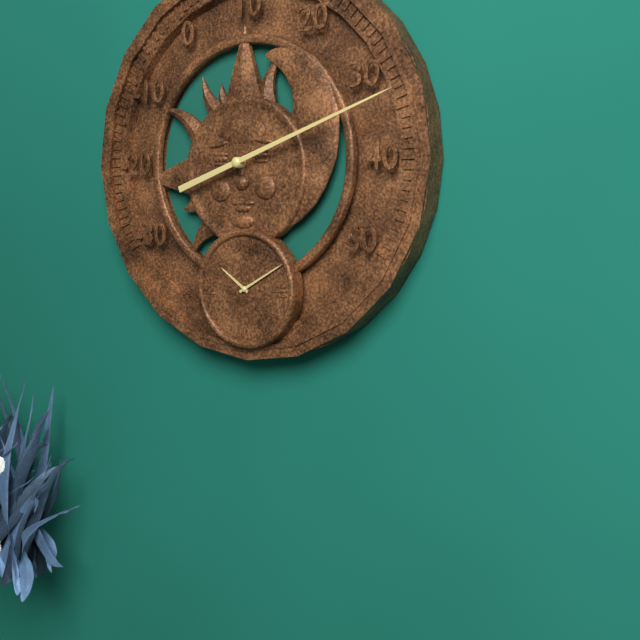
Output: h=10 m=10
